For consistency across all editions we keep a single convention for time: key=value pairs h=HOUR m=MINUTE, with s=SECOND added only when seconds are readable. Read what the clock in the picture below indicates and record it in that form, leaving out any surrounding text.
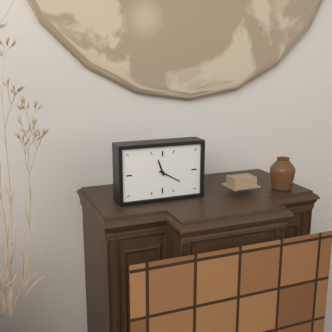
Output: h=11 m=20
